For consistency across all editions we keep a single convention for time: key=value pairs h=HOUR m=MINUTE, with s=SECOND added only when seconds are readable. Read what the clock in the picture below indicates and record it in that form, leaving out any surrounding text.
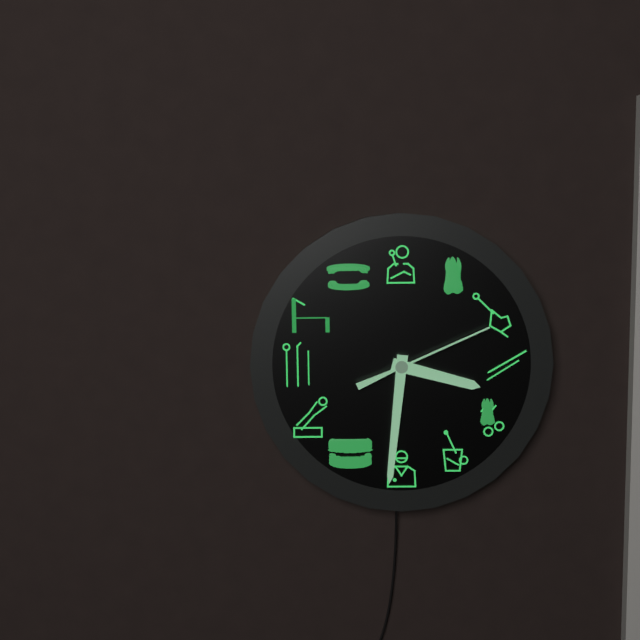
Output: h=3 m=31 s=11
